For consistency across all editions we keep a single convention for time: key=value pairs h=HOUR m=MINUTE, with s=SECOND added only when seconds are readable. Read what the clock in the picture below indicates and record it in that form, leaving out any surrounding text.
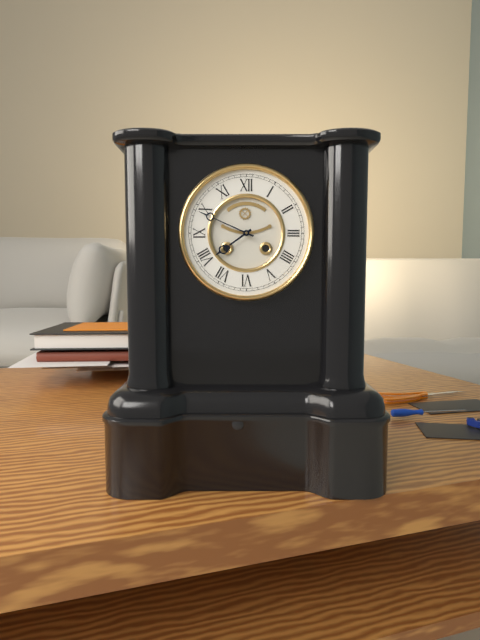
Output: h=7 m=49
